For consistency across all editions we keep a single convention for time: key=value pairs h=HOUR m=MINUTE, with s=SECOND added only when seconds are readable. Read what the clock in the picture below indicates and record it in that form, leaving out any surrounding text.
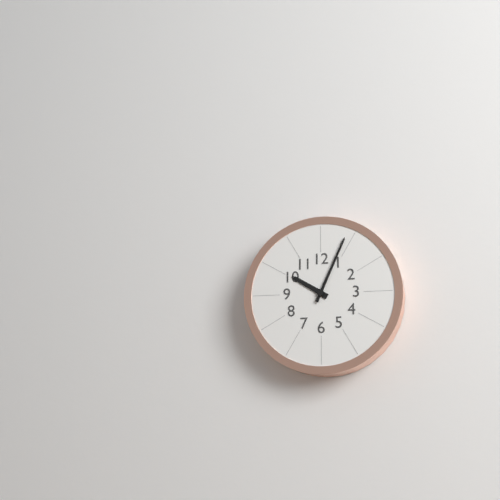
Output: h=10 m=4
